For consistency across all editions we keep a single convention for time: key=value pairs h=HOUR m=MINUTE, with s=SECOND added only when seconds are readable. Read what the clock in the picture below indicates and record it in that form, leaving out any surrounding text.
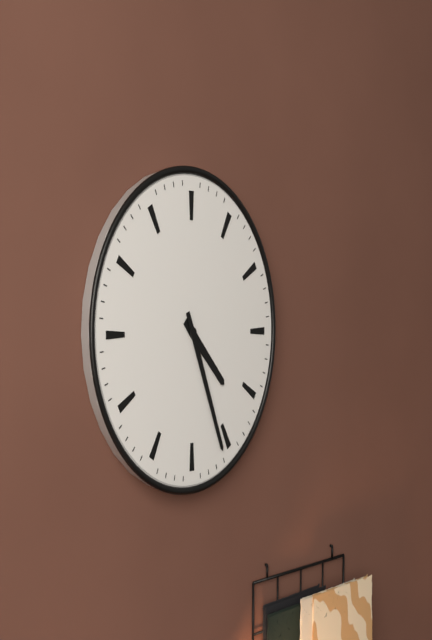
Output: h=4 m=26
